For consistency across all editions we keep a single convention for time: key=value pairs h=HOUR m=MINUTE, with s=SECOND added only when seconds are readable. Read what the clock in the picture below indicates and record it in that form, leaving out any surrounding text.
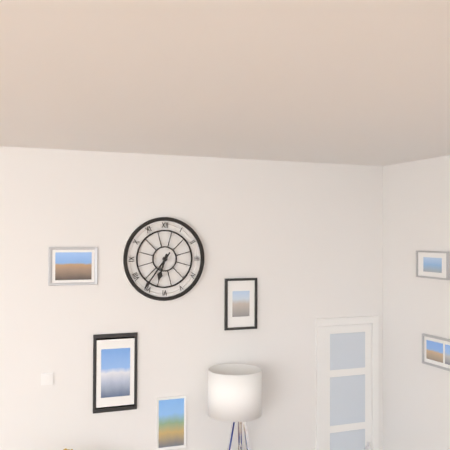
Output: h=6 m=36
